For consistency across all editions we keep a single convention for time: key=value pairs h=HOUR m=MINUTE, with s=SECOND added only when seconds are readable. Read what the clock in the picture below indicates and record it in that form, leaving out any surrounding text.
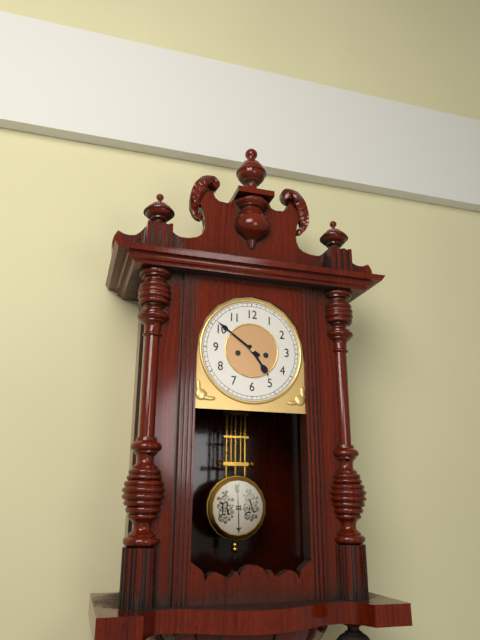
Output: h=4 m=51
